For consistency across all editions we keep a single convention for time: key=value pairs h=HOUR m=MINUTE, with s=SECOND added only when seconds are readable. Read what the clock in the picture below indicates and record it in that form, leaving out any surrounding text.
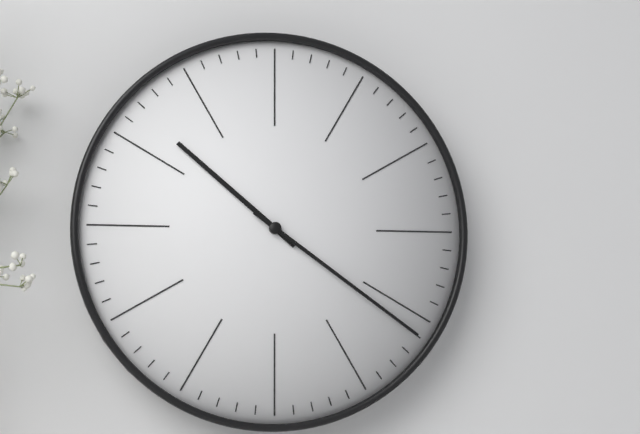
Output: h=10 m=21
